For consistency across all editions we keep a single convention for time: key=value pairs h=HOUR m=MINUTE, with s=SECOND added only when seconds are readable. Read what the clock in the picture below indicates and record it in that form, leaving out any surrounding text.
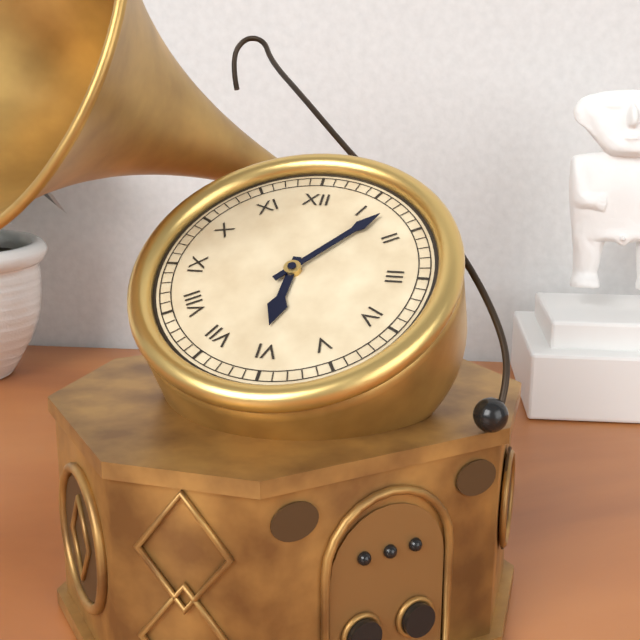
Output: h=6 m=7
